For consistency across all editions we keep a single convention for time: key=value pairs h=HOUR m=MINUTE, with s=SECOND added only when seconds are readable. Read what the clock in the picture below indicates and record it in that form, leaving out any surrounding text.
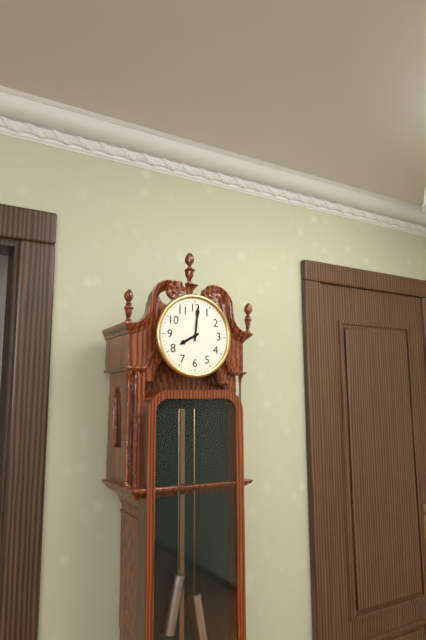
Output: h=8 m=1
